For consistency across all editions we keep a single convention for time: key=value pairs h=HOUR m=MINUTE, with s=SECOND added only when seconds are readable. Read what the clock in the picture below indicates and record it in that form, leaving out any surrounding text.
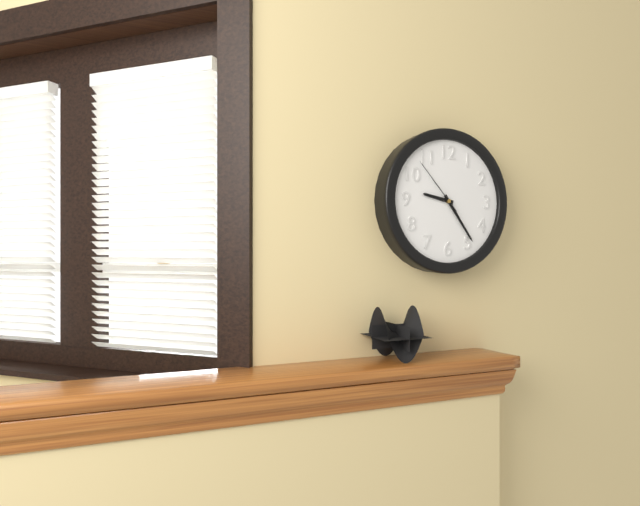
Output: h=9 m=24 s=53
